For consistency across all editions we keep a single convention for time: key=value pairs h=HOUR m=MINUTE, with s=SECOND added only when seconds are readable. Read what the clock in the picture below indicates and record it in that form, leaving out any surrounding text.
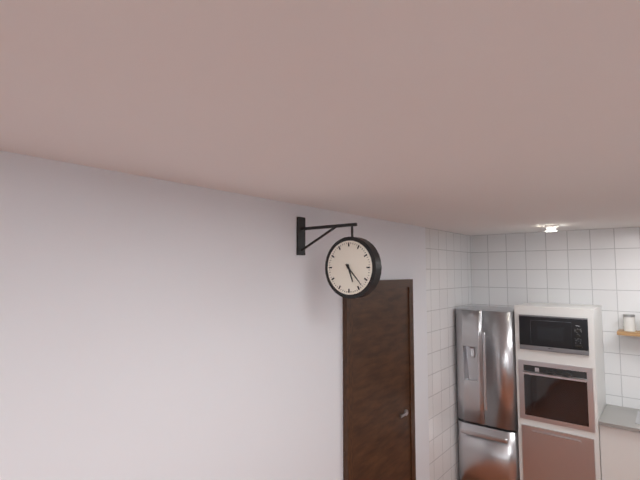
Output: h=5 m=23
